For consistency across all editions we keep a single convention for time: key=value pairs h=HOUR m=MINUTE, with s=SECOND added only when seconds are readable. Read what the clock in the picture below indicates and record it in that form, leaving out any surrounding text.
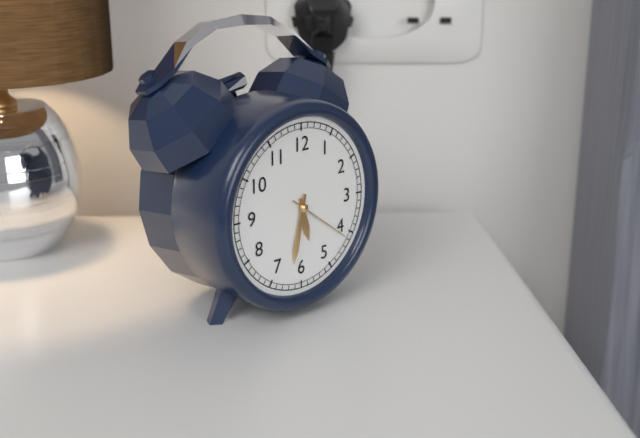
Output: h=5 m=32 s=21
